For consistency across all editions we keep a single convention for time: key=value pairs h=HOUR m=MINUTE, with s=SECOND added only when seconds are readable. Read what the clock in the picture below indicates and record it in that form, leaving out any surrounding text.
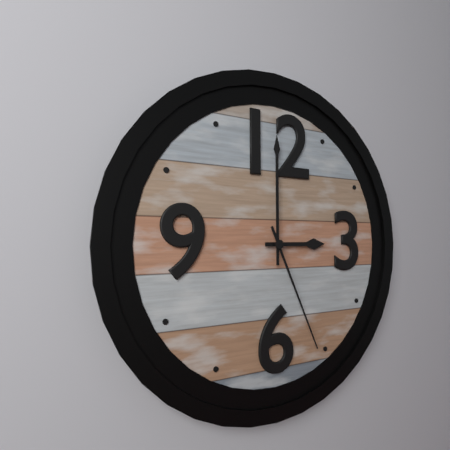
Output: h=3 m=0 s=26
